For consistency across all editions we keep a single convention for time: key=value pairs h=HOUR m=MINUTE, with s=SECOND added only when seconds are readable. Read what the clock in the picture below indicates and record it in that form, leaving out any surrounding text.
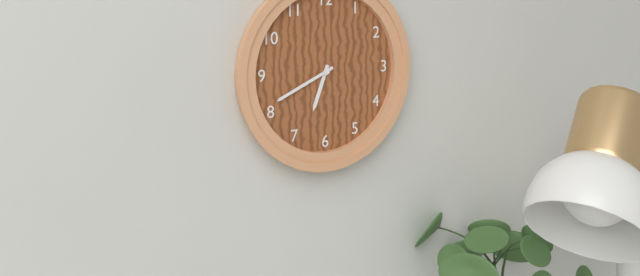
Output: h=6 m=41
